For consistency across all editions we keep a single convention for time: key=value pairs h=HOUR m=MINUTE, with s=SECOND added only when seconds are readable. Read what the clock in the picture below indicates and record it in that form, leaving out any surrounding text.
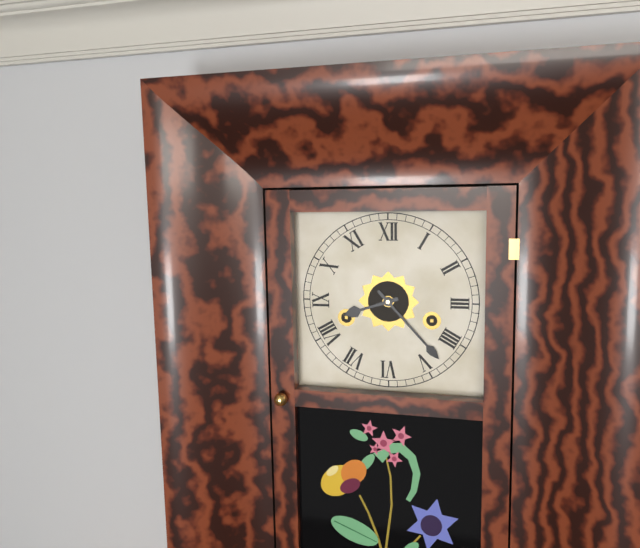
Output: h=8 m=23
